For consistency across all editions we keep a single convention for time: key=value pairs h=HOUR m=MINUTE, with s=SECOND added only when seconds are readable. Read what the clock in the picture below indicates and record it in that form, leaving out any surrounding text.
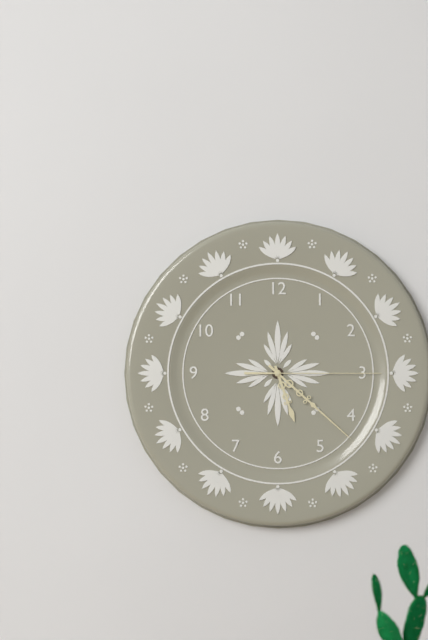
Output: h=5 m=22 s=15
